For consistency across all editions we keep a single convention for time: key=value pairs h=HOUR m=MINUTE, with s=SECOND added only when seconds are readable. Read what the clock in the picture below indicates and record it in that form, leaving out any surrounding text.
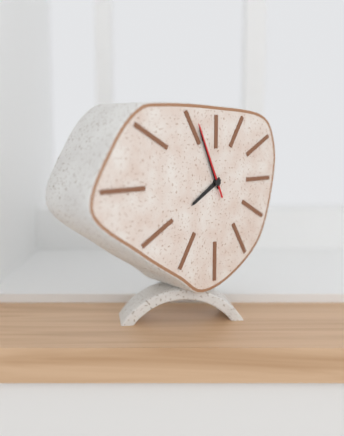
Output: h=7 m=56 s=56
